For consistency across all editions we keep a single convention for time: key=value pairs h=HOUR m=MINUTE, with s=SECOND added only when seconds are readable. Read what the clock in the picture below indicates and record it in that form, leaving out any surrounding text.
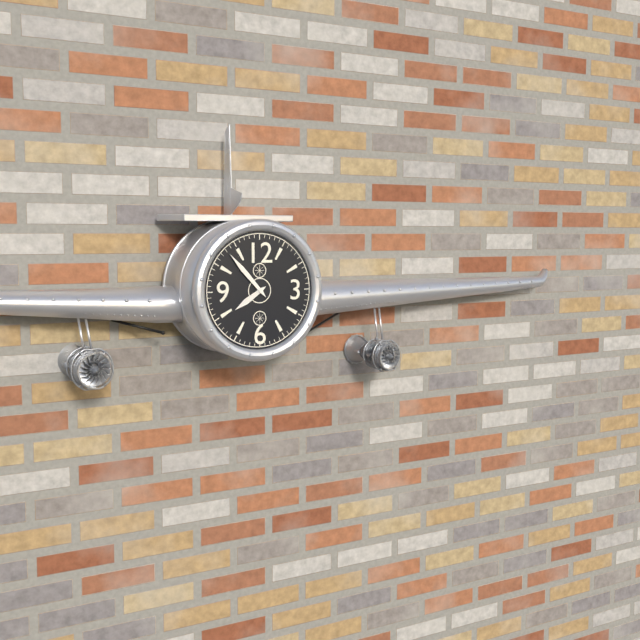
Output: h=7 m=53
